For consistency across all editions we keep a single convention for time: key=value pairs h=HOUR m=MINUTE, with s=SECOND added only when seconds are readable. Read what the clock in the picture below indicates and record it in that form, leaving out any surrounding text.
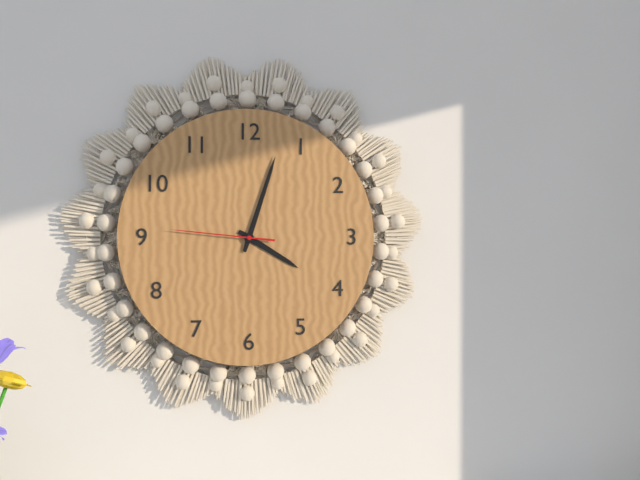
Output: h=4 m=3 s=46
